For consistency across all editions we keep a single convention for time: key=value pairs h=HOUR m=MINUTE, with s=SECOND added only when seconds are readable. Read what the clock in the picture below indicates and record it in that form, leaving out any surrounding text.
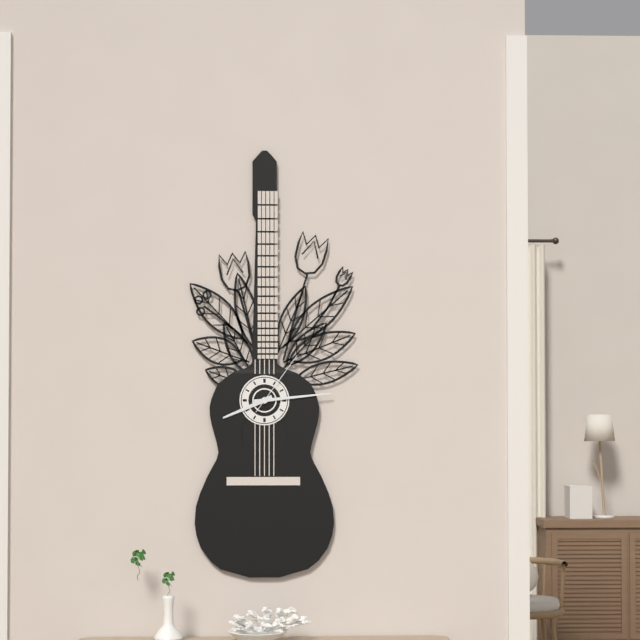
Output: h=8 m=14 s=6
